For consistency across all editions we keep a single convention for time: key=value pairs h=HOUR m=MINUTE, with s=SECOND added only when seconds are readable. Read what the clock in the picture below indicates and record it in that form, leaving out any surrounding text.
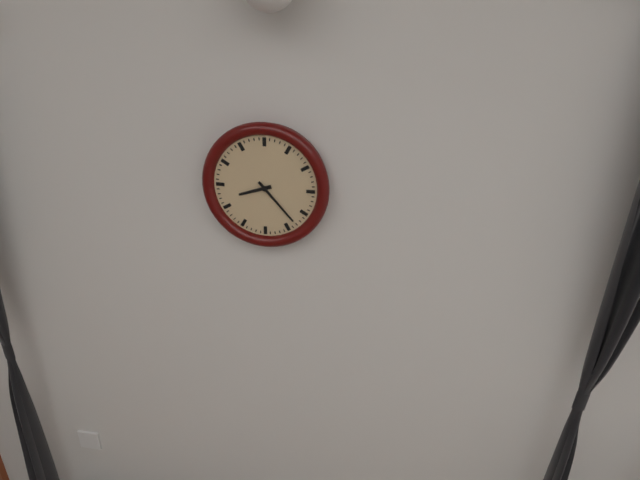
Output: h=8 m=23
